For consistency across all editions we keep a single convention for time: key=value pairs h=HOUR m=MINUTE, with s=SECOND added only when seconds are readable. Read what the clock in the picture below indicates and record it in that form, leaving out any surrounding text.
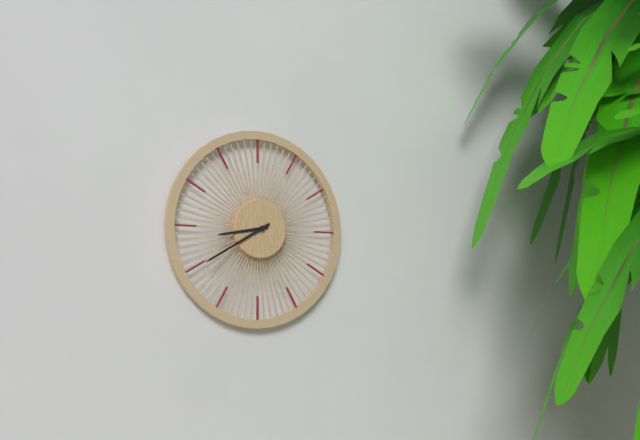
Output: h=8 m=40
